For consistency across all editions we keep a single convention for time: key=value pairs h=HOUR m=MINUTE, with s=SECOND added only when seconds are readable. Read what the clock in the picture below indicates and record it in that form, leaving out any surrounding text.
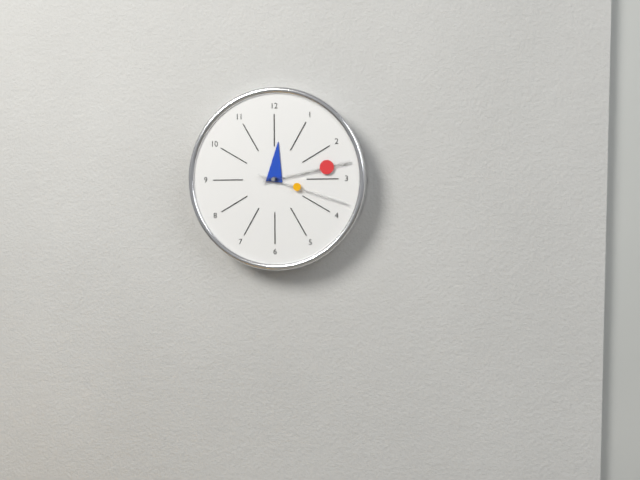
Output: h=12 m=13 s=18
